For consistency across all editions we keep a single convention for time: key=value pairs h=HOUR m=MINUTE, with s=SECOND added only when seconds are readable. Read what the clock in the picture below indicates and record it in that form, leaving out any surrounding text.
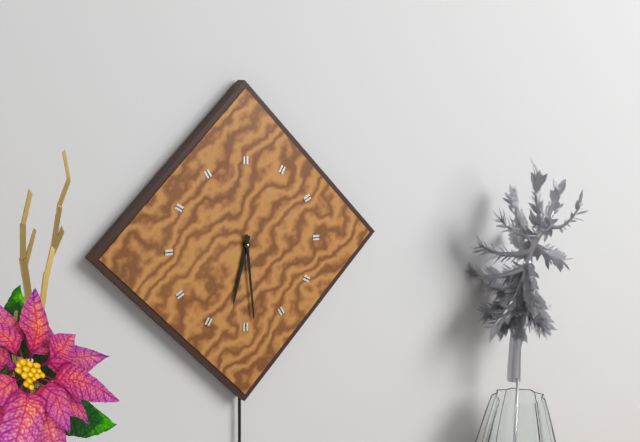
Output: h=6 m=29
